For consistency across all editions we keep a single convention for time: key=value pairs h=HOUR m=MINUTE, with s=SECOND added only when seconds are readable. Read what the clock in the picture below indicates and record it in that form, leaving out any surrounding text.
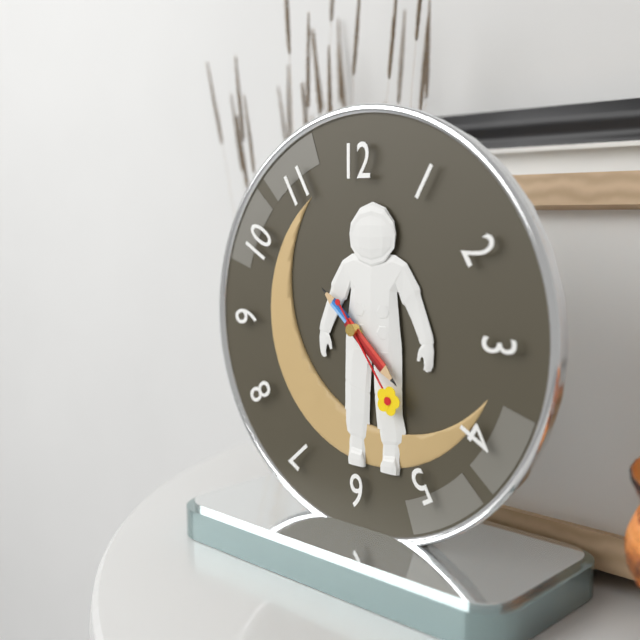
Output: h=10 m=22 s=24
